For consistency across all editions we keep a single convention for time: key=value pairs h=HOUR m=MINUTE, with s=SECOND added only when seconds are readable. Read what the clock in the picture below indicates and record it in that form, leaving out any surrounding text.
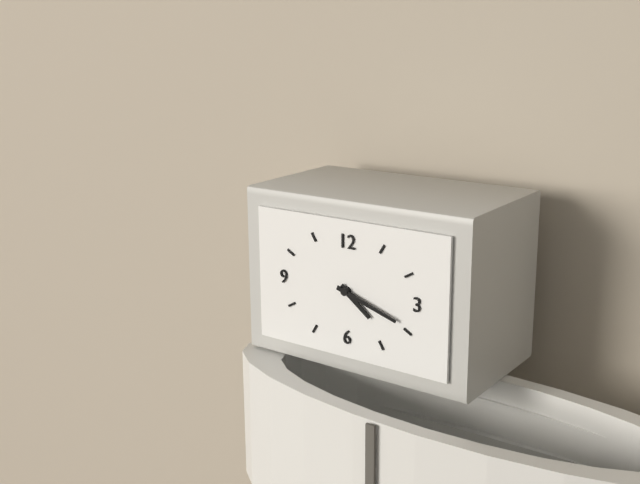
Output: h=4 m=18
